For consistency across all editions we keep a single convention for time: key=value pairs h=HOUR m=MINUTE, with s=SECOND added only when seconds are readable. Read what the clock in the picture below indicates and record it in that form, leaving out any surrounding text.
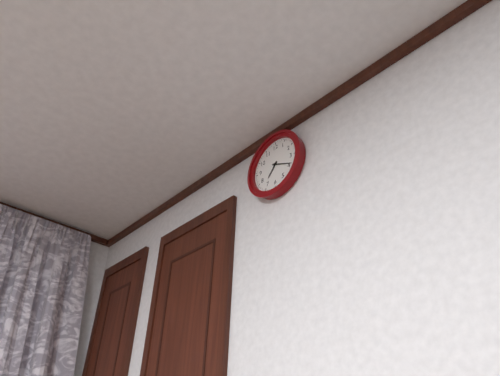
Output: h=7 m=19
